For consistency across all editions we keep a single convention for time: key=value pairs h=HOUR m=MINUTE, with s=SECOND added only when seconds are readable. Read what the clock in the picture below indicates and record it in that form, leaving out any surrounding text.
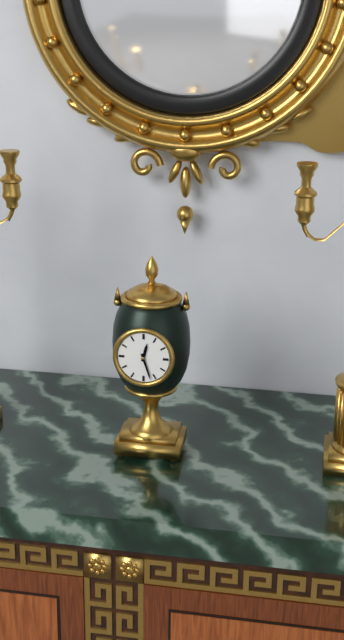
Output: h=12 m=27
